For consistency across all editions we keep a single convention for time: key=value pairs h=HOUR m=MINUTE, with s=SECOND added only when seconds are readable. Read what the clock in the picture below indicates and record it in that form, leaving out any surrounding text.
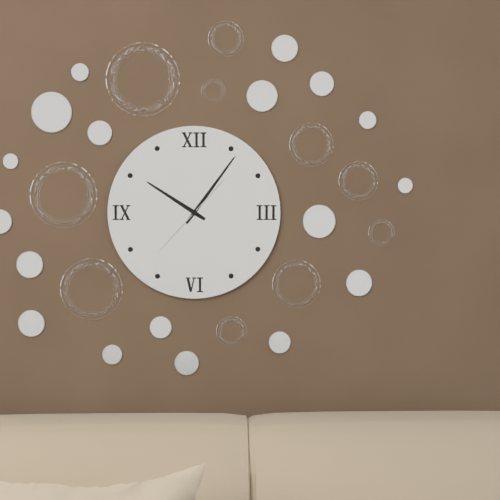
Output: h=10 m=6 s=37
